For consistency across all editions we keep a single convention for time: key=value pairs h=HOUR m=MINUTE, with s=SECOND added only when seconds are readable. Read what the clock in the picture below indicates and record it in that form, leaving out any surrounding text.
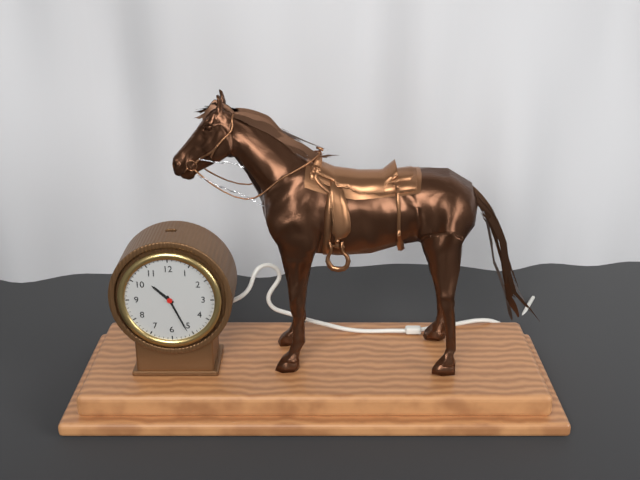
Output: h=10 m=26
